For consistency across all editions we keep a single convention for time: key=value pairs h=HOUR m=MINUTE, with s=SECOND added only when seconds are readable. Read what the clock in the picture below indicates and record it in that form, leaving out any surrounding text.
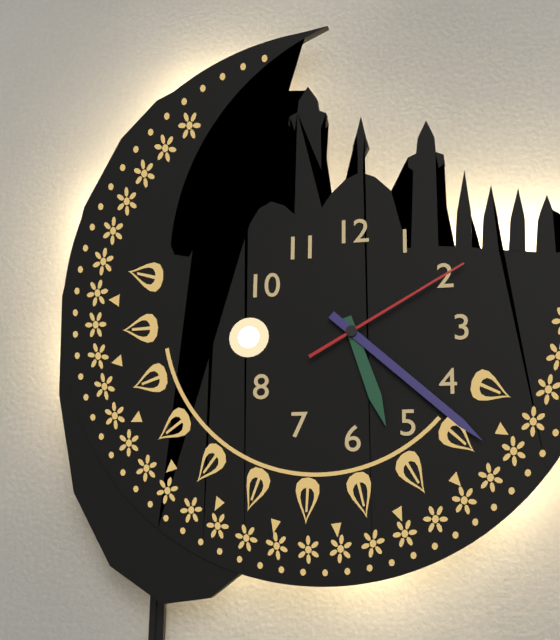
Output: h=5 m=22 s=10
